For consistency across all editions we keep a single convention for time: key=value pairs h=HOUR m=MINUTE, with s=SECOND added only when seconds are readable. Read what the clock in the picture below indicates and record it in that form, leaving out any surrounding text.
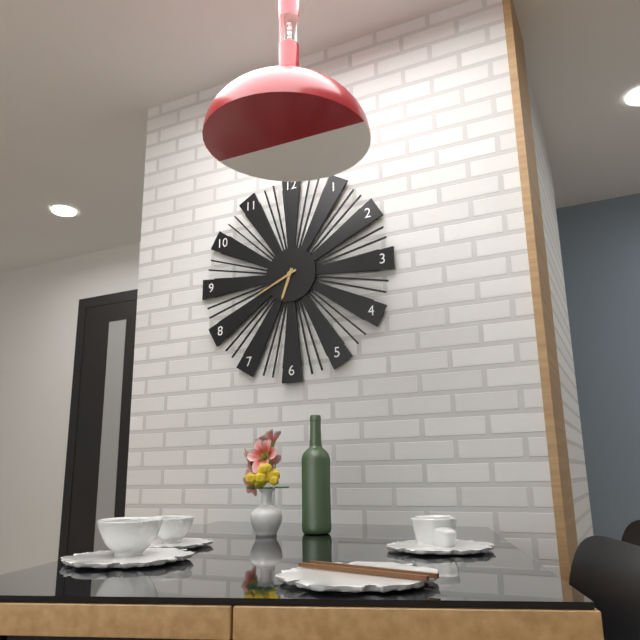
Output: h=6 m=41
